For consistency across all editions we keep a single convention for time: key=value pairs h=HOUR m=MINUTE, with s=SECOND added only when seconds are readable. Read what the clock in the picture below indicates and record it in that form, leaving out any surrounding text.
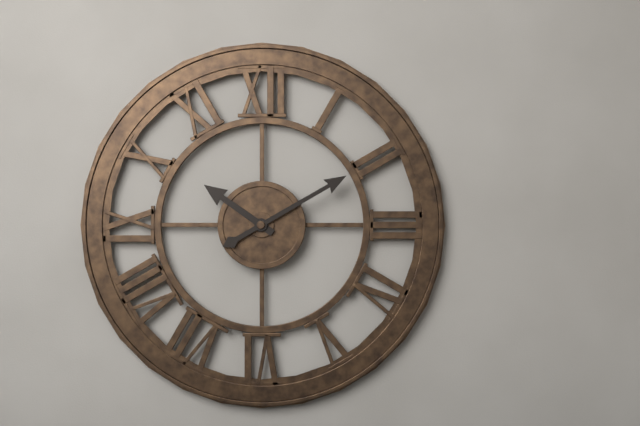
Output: h=10 m=10
